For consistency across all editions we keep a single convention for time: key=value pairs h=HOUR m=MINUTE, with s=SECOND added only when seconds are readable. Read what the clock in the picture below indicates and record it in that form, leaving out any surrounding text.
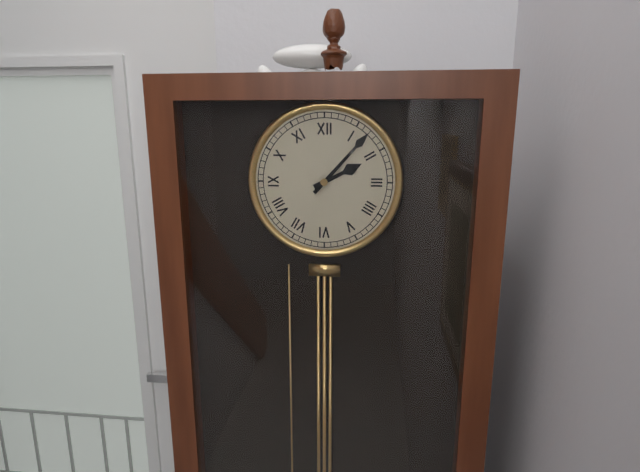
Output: h=2 m=7
